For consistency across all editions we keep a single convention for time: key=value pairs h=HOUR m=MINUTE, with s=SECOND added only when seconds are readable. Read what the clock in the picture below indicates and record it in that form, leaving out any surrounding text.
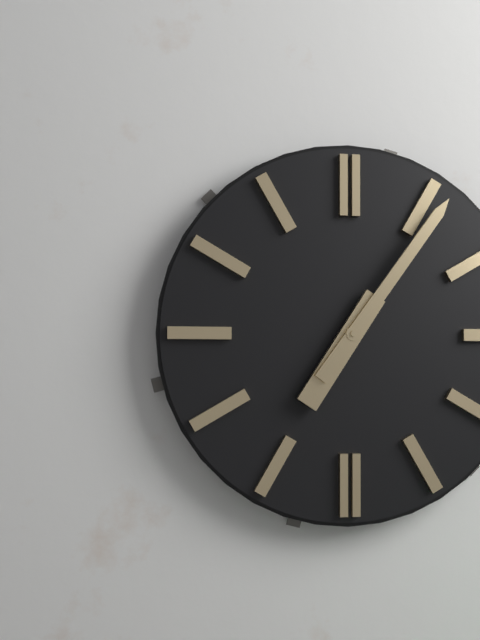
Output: h=7 m=6
